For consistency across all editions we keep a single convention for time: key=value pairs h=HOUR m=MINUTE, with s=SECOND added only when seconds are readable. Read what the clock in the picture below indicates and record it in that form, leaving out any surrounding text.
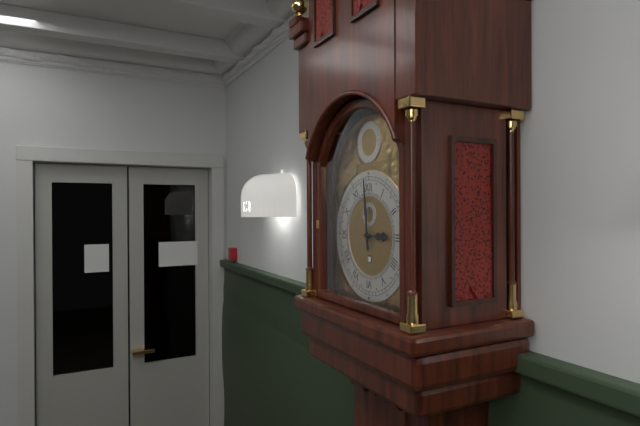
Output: h=2 m=59
